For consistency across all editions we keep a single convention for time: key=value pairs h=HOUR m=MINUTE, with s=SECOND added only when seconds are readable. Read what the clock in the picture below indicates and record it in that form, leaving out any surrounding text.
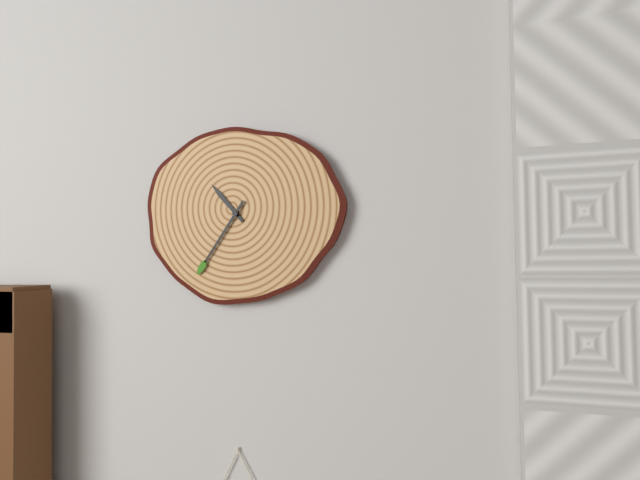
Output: h=10 m=36
